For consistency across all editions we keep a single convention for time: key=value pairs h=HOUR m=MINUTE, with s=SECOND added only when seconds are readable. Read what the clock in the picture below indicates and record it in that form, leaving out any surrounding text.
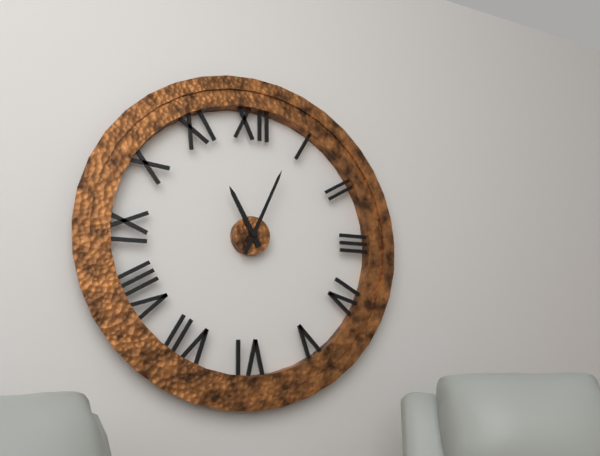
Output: h=11 m=4
